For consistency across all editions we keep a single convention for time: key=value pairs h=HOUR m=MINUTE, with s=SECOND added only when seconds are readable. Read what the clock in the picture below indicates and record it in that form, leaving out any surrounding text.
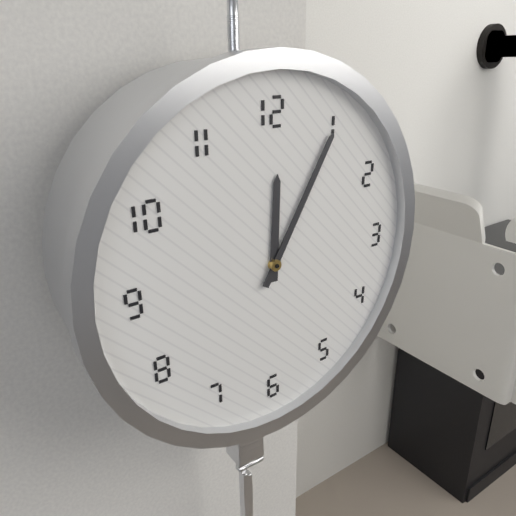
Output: h=12 m=5
